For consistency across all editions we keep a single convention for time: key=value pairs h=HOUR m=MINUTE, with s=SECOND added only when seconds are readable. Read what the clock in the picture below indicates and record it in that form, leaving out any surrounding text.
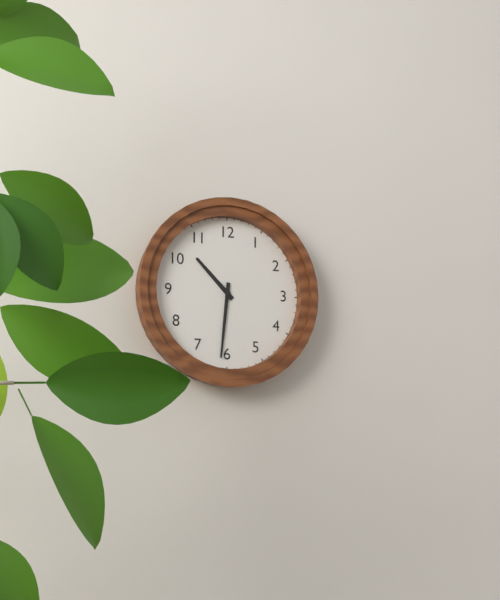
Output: h=10 m=31
